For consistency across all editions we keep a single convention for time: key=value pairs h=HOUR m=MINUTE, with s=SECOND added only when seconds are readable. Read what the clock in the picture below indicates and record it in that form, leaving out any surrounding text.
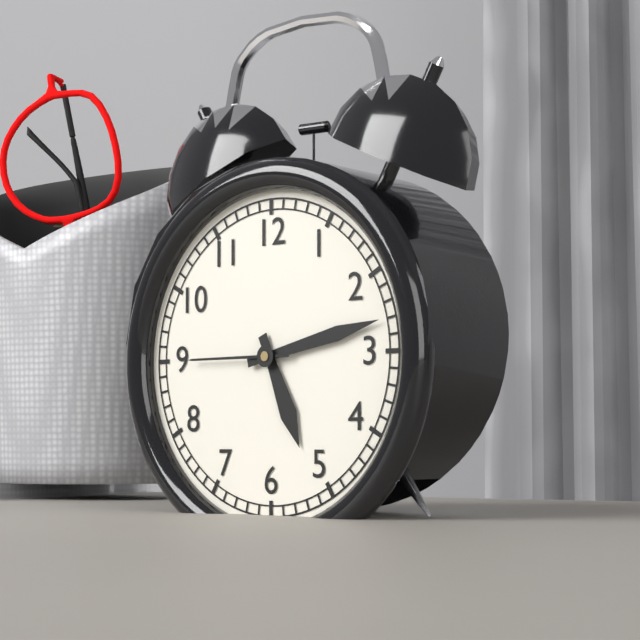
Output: h=5 m=13 s=45
